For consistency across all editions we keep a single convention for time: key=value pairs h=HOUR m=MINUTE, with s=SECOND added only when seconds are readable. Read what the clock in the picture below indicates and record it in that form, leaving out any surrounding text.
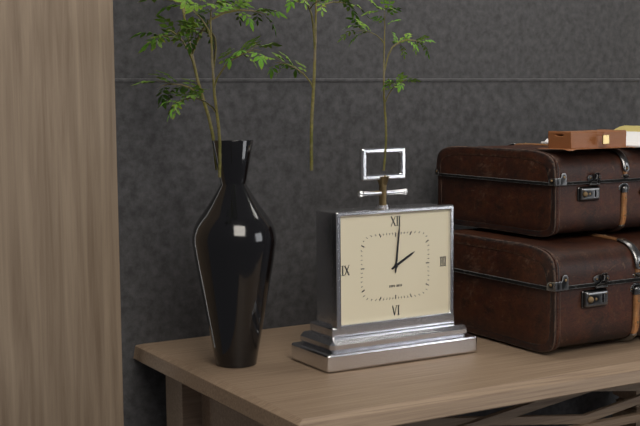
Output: h=2 m=1
